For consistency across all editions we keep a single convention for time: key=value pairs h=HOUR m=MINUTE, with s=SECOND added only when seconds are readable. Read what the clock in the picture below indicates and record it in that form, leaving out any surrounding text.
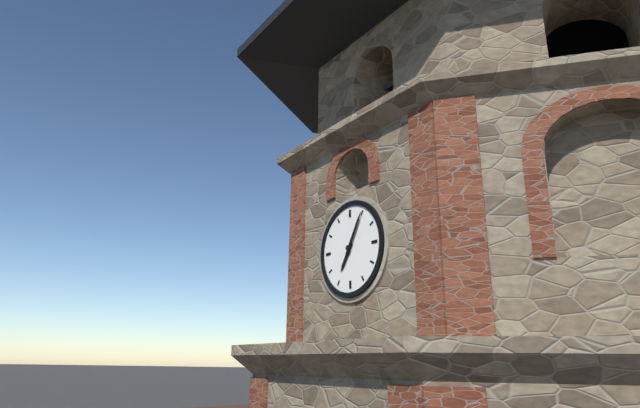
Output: h=7 m=5
